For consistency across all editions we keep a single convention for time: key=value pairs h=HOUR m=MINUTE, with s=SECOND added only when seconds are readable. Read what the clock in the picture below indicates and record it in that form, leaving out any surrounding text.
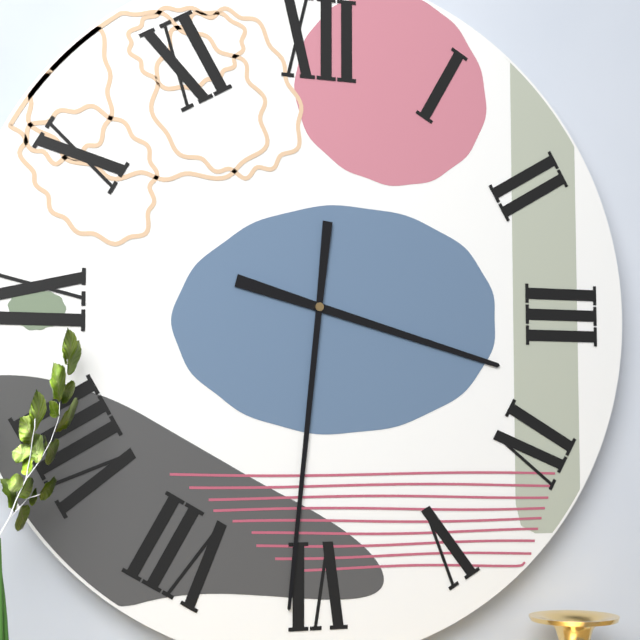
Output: h=3 m=31
